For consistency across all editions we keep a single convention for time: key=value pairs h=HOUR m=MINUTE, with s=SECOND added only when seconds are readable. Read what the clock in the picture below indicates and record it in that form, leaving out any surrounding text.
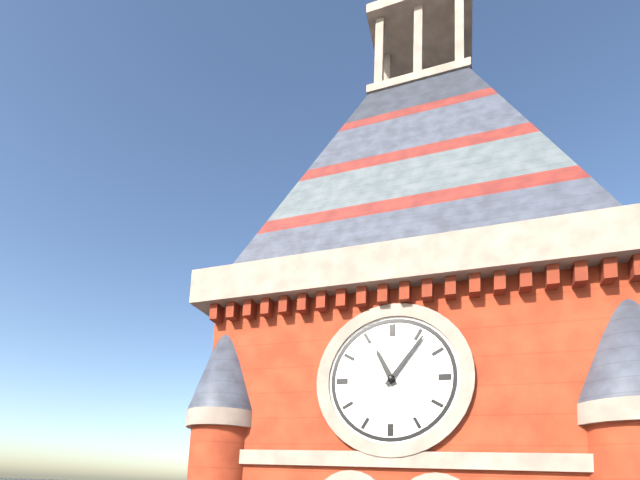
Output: h=11 m=6
